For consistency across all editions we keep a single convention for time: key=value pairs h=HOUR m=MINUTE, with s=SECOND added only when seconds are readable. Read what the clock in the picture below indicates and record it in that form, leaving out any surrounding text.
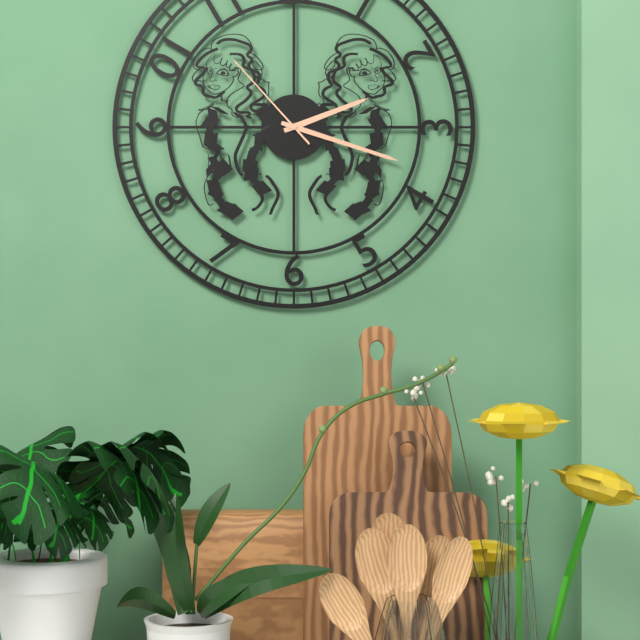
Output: h=2 m=18 s=53
